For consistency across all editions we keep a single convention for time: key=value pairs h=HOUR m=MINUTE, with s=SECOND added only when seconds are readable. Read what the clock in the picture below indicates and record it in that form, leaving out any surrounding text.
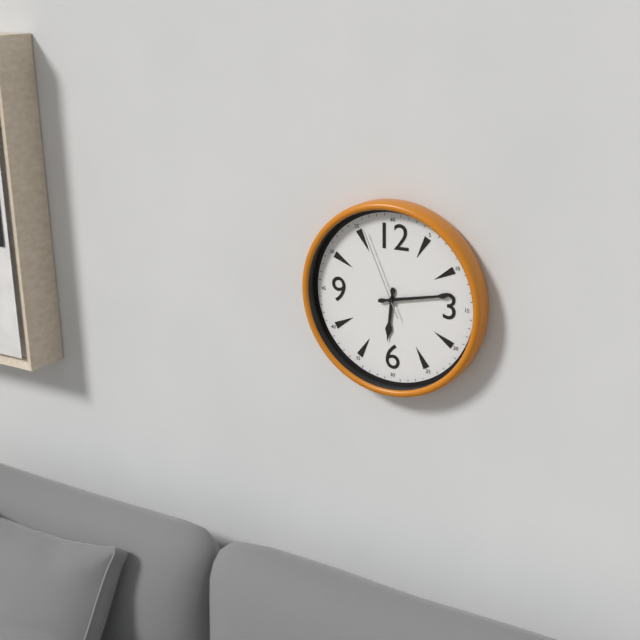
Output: h=6 m=13 s=56
